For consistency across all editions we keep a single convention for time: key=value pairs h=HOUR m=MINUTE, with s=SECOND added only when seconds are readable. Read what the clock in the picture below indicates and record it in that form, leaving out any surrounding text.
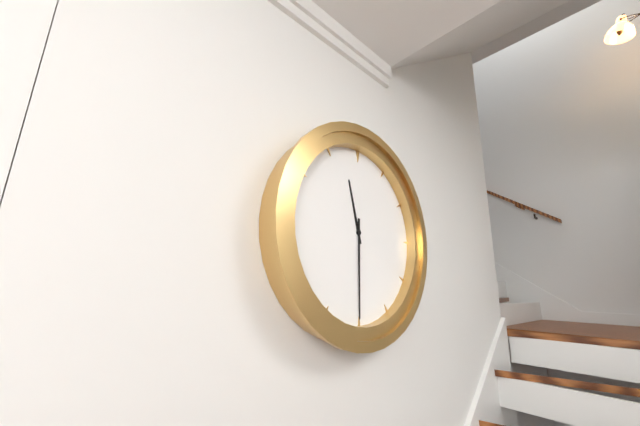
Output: h=11 m=30
